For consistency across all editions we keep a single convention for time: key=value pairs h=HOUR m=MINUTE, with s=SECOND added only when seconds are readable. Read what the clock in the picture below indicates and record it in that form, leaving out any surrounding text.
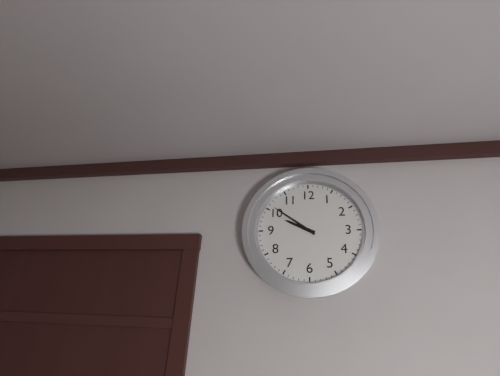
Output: h=9 m=51
